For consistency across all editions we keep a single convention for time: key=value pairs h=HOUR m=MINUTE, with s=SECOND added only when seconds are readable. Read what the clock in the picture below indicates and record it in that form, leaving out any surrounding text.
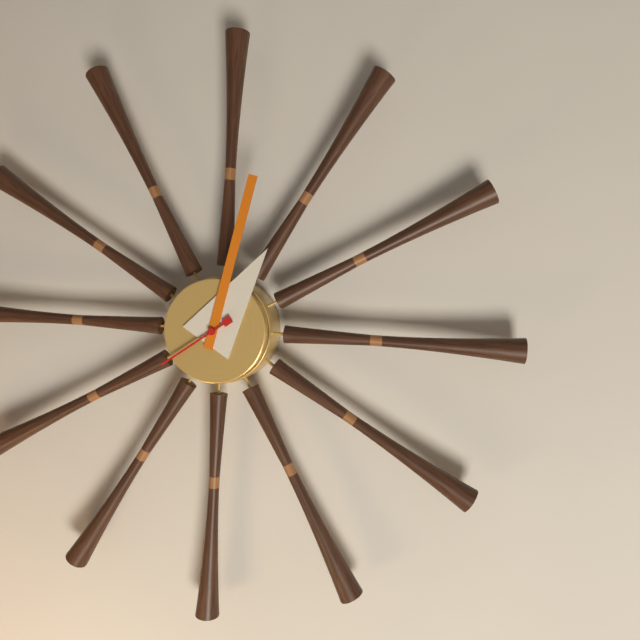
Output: h=1 m=2 s=39
